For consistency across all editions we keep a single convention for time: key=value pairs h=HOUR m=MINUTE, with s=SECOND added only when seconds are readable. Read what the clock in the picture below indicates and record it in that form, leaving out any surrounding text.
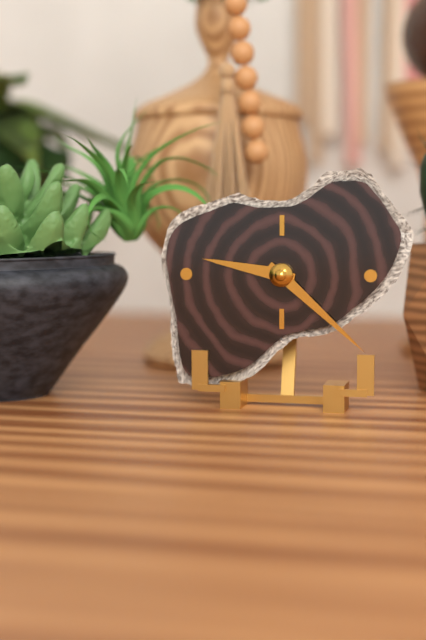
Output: h=9 m=22
